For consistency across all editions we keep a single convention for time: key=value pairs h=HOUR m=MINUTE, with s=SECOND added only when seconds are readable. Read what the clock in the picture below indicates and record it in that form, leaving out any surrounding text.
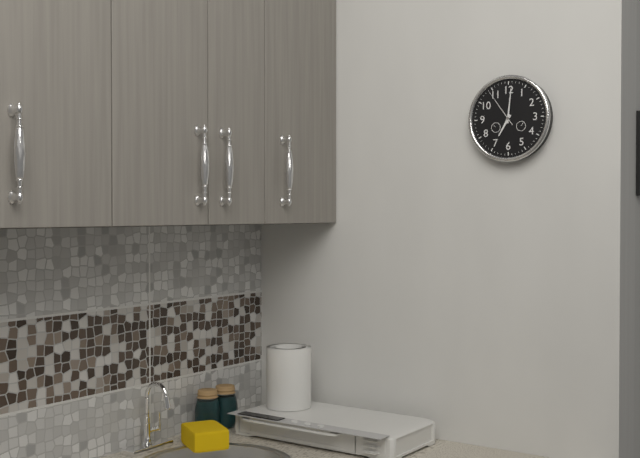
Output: h=7 m=1
